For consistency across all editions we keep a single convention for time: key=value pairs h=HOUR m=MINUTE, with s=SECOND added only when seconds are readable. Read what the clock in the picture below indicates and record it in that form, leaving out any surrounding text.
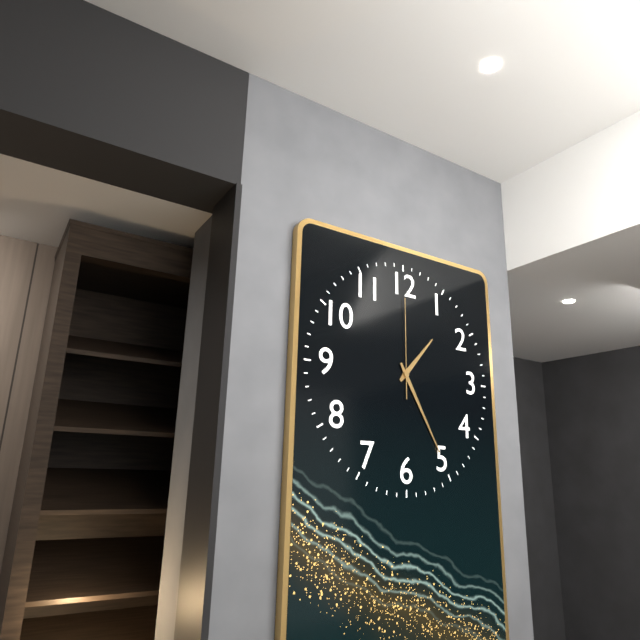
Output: h=1 m=25 s=0
